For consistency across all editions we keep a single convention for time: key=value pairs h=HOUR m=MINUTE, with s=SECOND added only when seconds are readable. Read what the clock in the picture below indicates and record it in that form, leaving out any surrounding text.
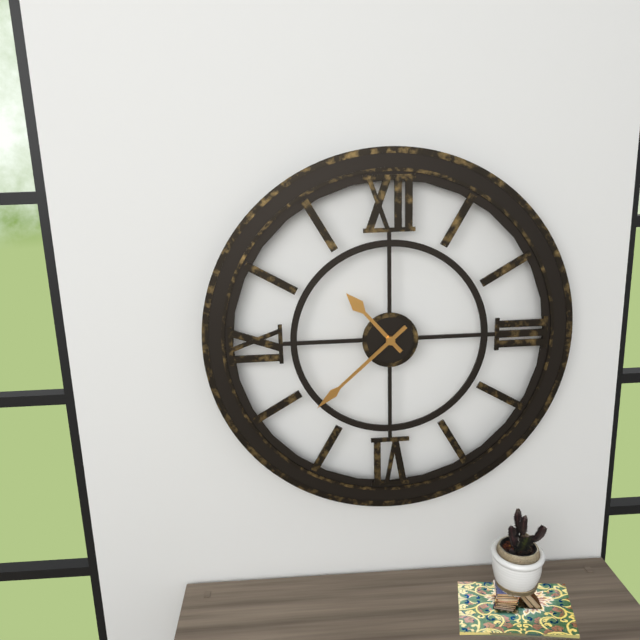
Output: h=10 m=38
